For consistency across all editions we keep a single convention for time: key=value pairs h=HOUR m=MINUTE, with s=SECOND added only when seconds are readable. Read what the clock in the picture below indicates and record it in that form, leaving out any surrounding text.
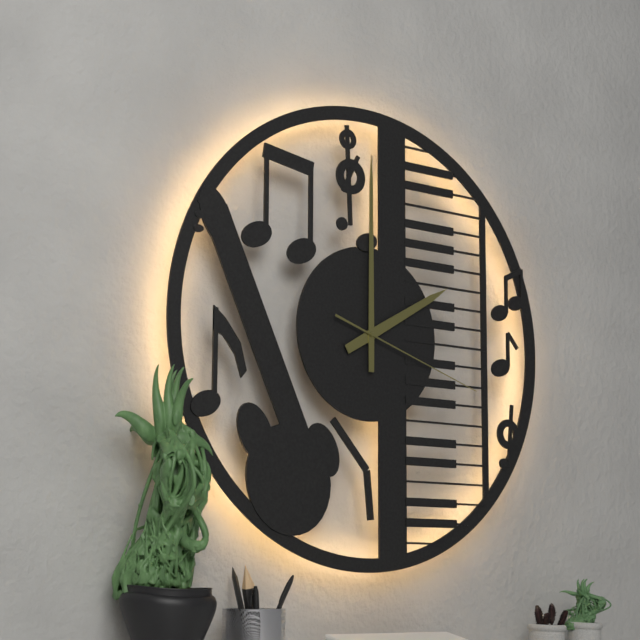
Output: h=2 m=0 s=18
